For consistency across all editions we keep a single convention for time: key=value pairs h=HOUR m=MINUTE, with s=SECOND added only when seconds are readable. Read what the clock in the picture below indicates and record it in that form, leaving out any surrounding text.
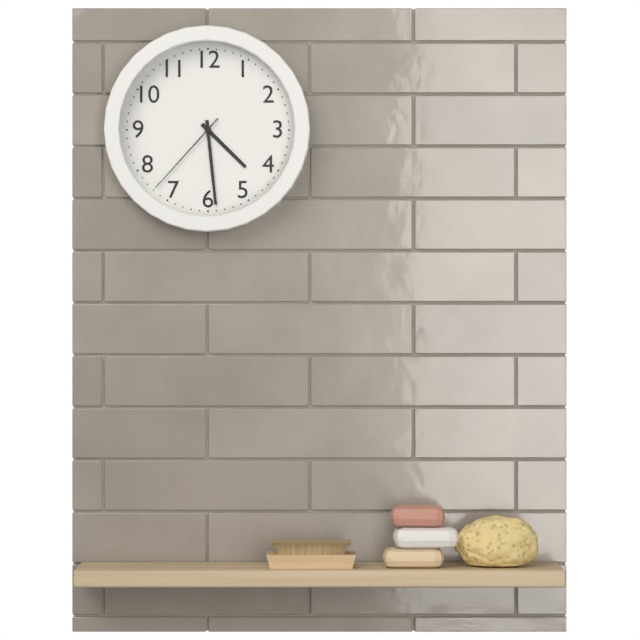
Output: h=4 m=29 s=37
